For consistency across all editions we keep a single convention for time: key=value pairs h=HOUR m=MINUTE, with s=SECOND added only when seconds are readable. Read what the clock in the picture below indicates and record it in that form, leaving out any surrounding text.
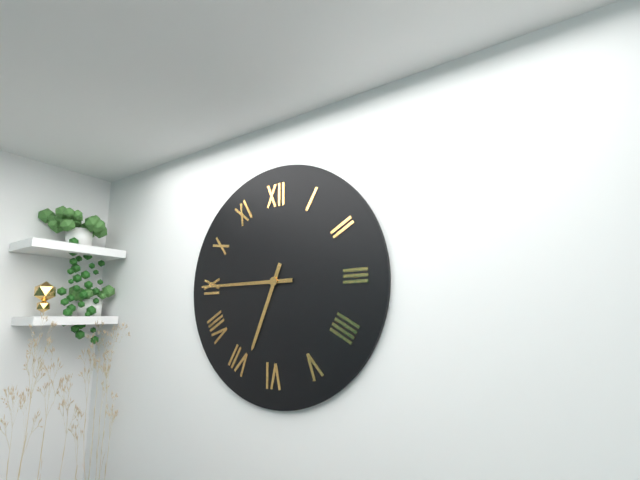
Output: h=6 m=45
